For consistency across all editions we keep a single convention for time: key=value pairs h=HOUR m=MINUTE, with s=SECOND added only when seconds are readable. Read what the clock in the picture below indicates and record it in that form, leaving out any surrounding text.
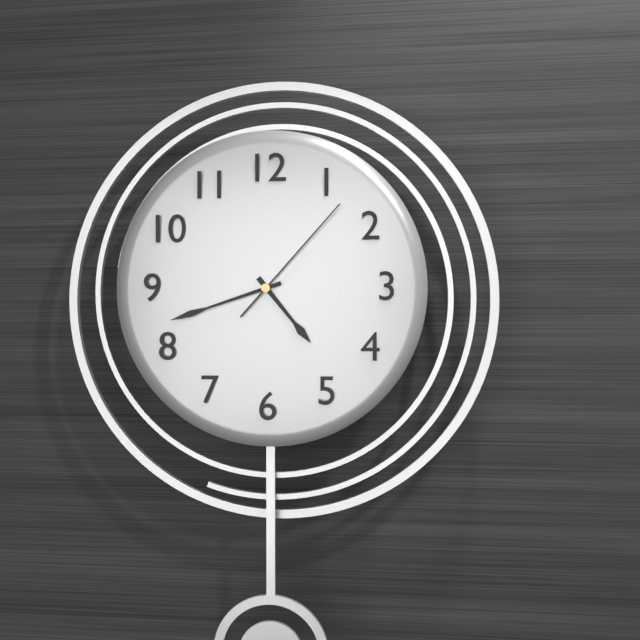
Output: h=4 m=42 s=7
